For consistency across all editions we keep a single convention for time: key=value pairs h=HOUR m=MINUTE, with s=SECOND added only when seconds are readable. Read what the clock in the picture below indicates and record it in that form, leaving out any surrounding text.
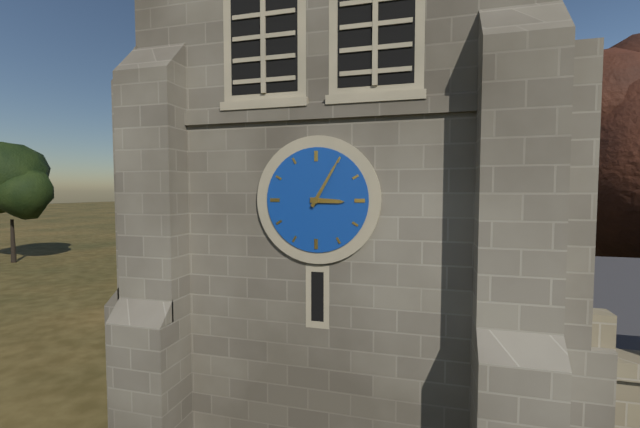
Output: h=3 m=5
